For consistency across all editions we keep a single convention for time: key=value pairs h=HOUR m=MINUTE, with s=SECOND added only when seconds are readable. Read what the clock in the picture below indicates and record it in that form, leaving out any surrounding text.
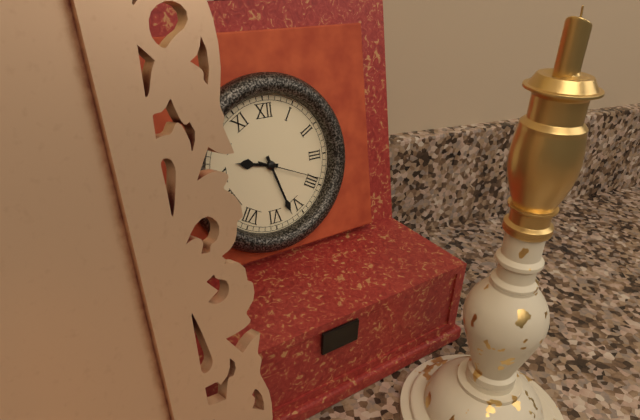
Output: h=9 m=27 s=19
